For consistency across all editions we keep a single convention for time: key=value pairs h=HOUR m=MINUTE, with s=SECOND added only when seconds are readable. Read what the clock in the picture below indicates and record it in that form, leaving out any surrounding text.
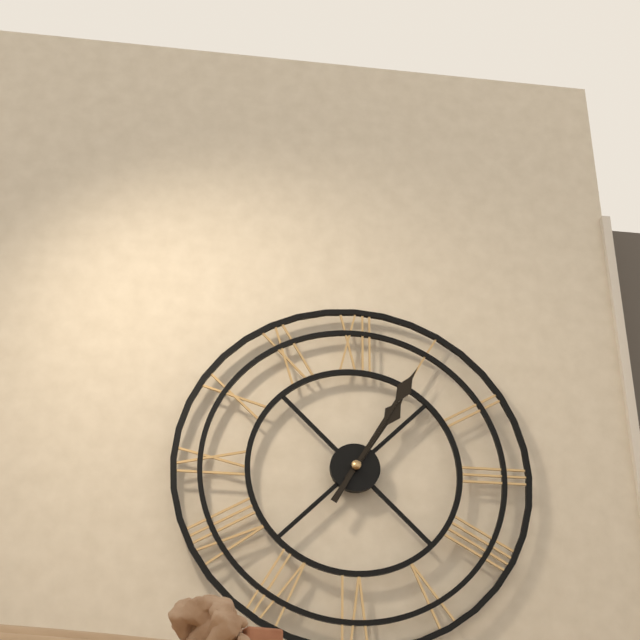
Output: h=1 m=5
